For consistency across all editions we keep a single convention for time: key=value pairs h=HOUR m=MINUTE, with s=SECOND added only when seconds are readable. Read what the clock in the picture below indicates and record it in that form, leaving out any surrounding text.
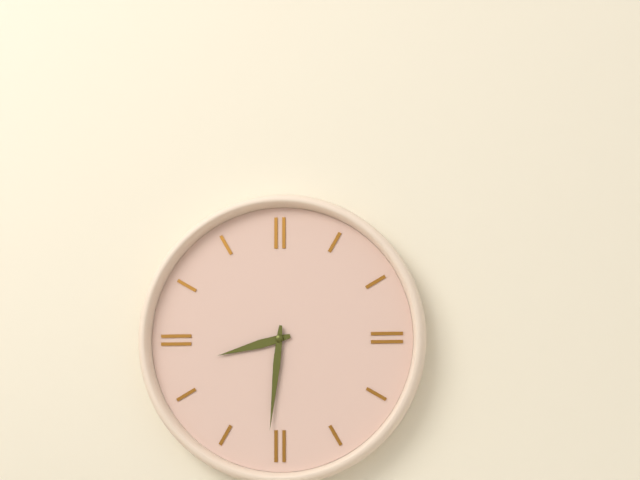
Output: h=8 m=31
